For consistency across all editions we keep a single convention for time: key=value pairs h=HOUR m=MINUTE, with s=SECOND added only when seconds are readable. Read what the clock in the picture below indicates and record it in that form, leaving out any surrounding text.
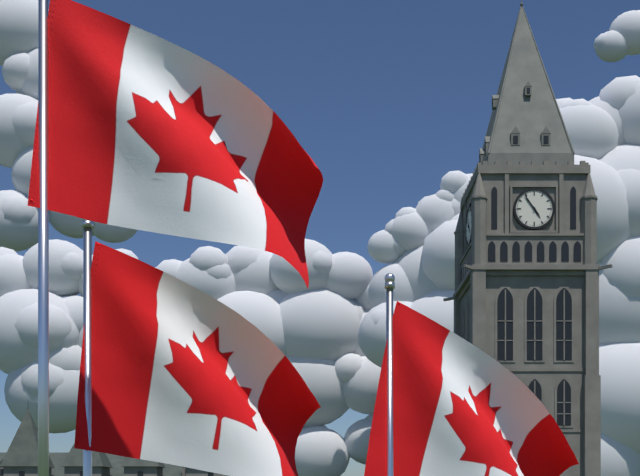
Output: h=4 m=54
